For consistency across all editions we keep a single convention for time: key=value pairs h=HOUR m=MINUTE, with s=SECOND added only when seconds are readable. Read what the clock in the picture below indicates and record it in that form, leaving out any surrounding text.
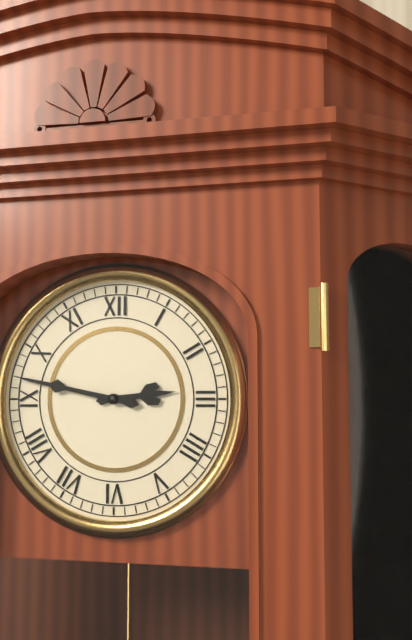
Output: h=2 m=47
